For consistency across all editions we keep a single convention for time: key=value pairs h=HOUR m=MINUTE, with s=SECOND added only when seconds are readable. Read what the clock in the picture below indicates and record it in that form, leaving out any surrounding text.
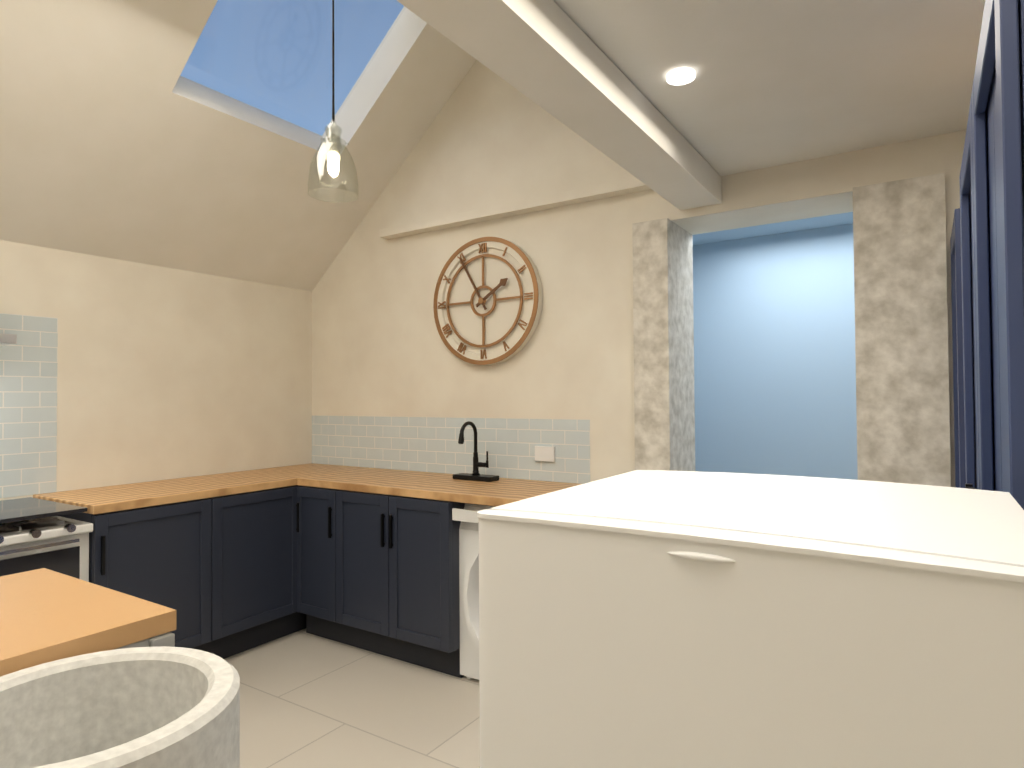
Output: h=1 m=55
